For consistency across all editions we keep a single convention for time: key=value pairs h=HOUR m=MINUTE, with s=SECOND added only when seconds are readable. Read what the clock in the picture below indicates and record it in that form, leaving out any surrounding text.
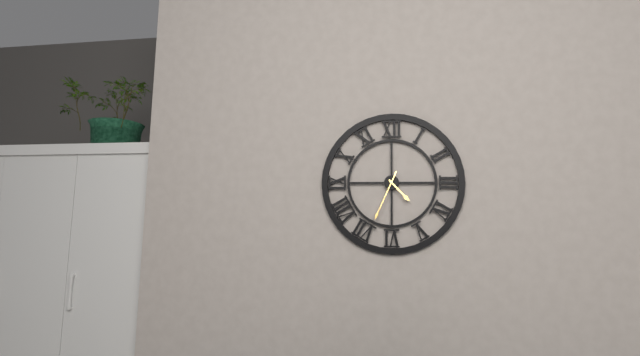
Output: h=4 m=34
